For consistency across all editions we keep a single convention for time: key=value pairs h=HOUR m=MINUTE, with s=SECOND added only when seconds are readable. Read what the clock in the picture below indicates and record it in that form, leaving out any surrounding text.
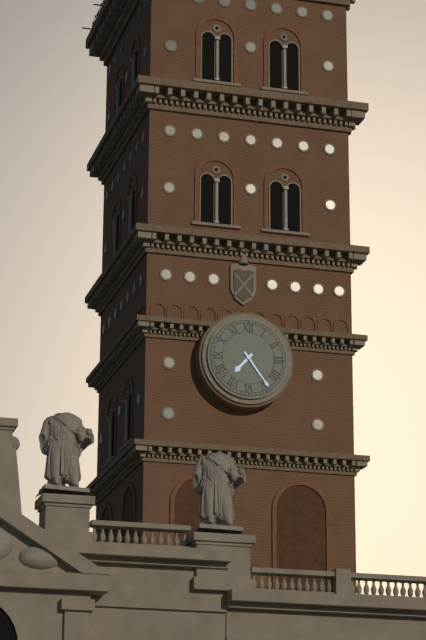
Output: h=7 m=24
